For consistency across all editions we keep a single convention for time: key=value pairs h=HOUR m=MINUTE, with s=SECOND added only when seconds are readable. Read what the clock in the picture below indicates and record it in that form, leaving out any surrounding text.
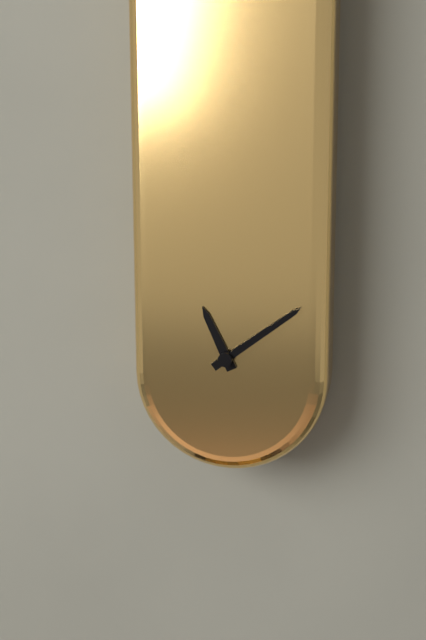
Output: h=11 m=9
